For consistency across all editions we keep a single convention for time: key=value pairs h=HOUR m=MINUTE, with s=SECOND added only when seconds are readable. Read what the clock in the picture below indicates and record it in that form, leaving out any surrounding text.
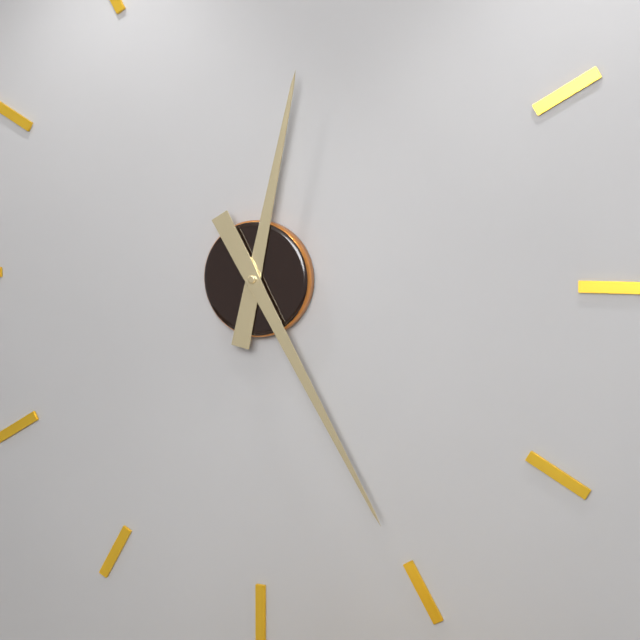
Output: h=12 m=25
